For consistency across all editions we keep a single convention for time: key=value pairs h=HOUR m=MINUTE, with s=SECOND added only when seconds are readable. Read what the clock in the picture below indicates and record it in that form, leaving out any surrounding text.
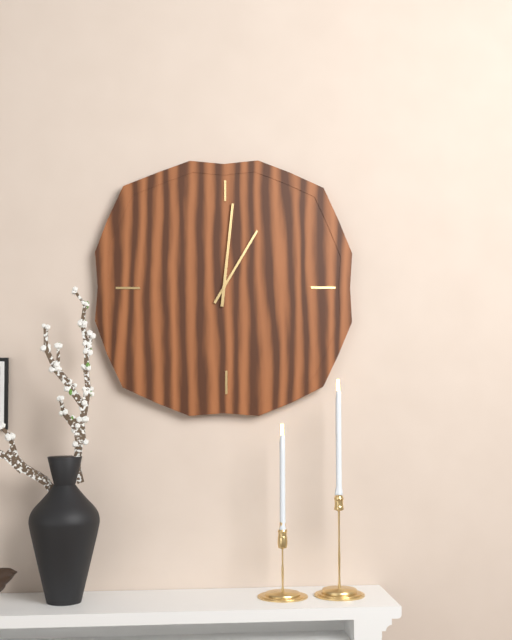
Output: h=1 m=1
